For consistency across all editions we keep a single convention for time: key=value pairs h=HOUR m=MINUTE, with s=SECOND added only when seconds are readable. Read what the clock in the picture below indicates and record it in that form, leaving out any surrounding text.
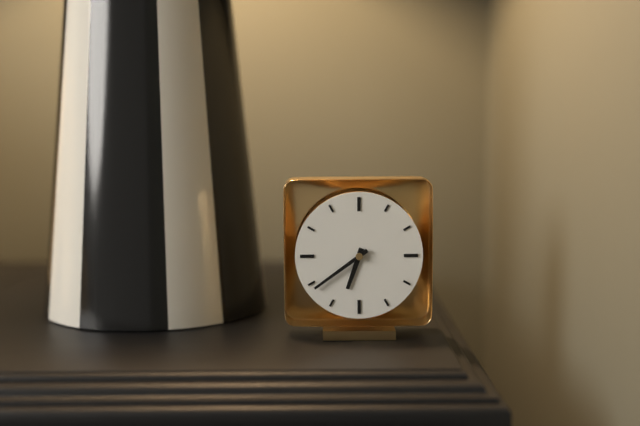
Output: h=6 m=39
